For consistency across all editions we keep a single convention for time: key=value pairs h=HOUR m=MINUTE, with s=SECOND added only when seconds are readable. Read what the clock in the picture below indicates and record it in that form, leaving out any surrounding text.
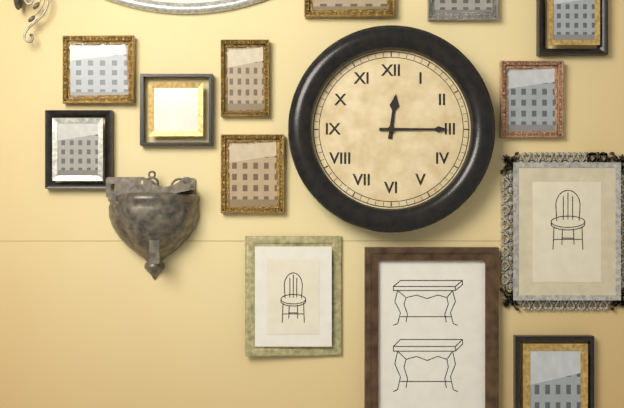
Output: h=12 m=15
